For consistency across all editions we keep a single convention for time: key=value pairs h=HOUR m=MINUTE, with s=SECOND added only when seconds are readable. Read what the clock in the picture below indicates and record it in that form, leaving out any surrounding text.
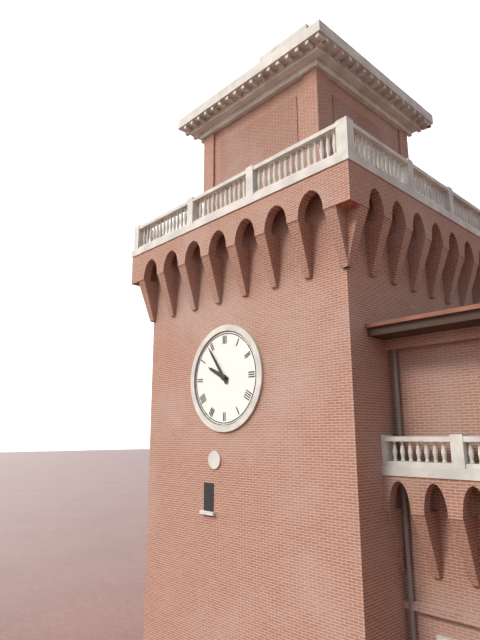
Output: h=9 m=54
